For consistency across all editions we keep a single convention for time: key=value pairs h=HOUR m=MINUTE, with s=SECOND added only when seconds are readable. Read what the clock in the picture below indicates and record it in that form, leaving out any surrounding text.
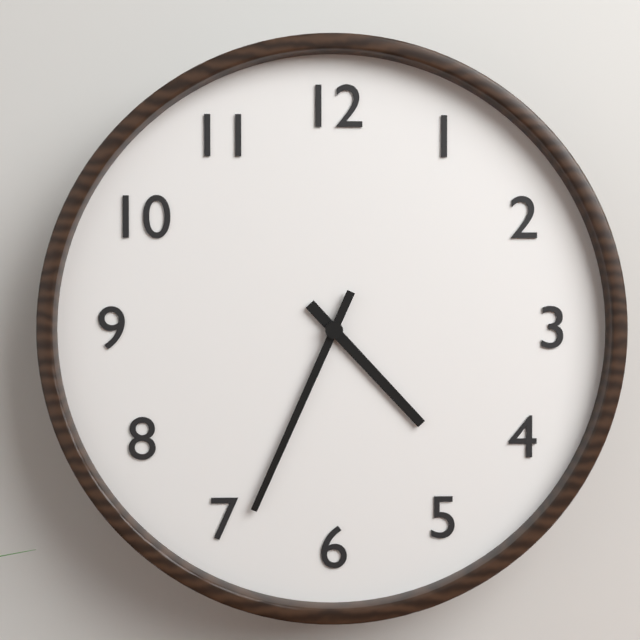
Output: h=4 m=34
